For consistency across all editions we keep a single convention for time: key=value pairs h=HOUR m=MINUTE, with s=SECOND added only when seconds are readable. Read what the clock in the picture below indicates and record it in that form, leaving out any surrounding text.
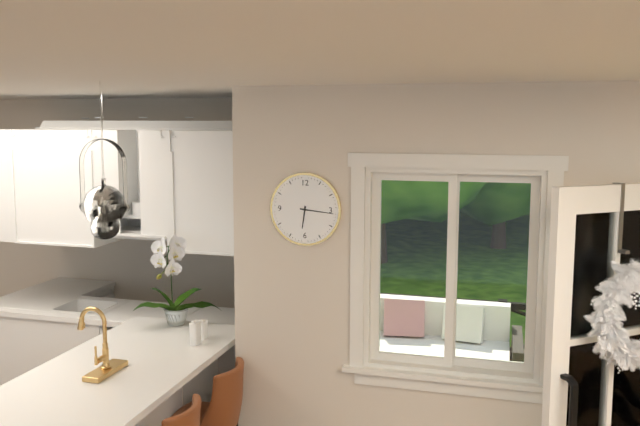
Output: h=6 m=16
